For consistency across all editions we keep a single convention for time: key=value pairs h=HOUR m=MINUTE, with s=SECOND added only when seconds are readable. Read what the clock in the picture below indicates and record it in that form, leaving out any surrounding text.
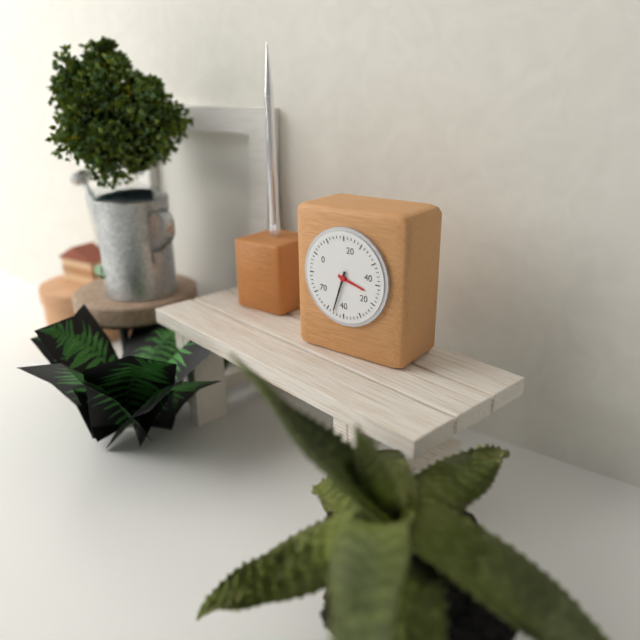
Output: h=3 m=33
